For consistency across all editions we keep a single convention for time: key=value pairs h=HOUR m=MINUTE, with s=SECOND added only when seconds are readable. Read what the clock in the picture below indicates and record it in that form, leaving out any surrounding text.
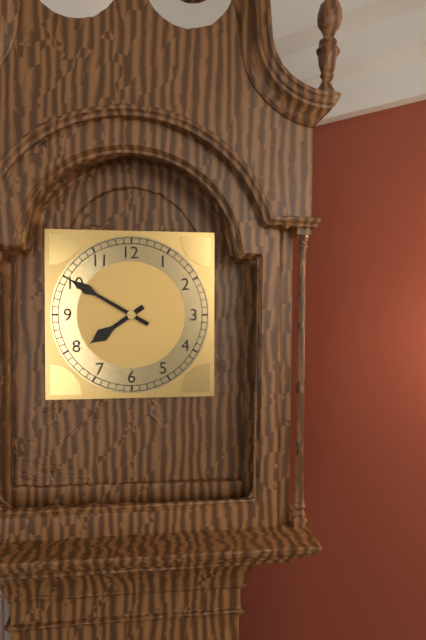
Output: h=7 m=50
